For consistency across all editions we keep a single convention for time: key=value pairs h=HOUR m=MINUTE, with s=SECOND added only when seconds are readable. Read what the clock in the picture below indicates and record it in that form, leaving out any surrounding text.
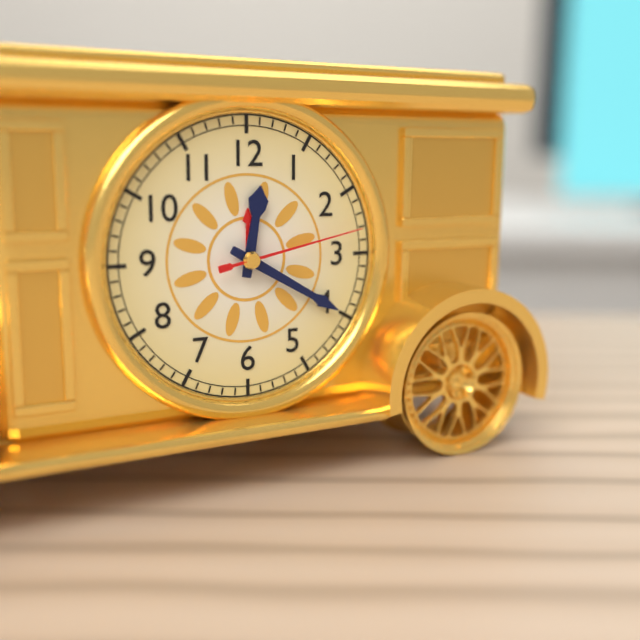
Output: h=12 m=20 s=13
